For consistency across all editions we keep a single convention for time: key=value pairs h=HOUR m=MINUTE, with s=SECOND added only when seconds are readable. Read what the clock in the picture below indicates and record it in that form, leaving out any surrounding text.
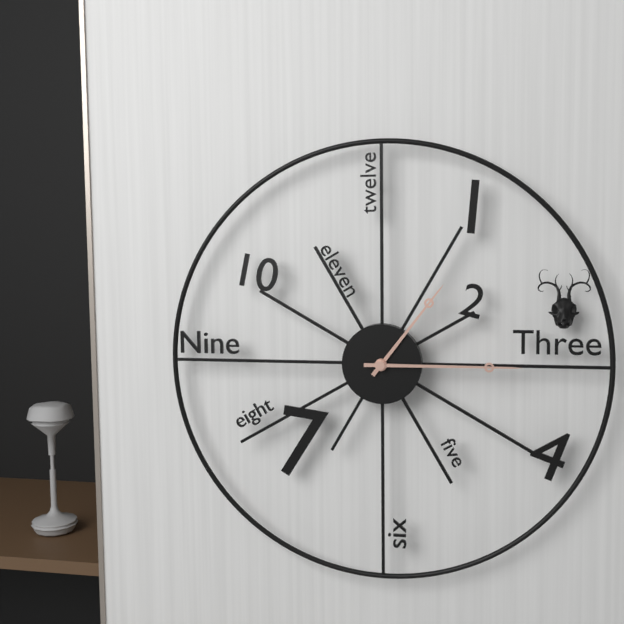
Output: h=1 m=15
